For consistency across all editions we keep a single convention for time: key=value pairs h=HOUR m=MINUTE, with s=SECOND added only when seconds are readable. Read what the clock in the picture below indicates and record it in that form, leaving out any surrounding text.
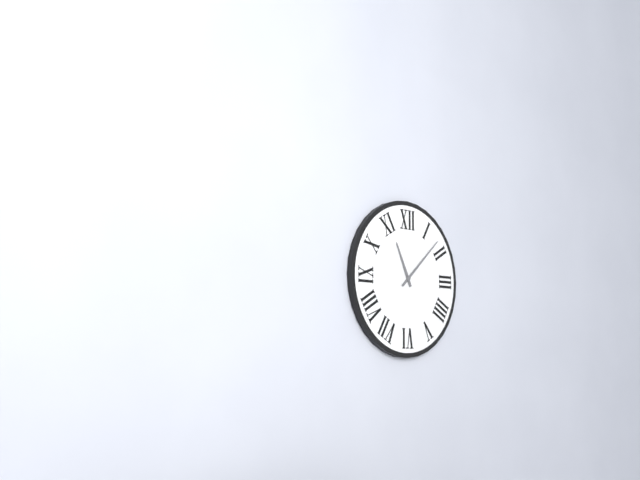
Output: h=11 m=8
